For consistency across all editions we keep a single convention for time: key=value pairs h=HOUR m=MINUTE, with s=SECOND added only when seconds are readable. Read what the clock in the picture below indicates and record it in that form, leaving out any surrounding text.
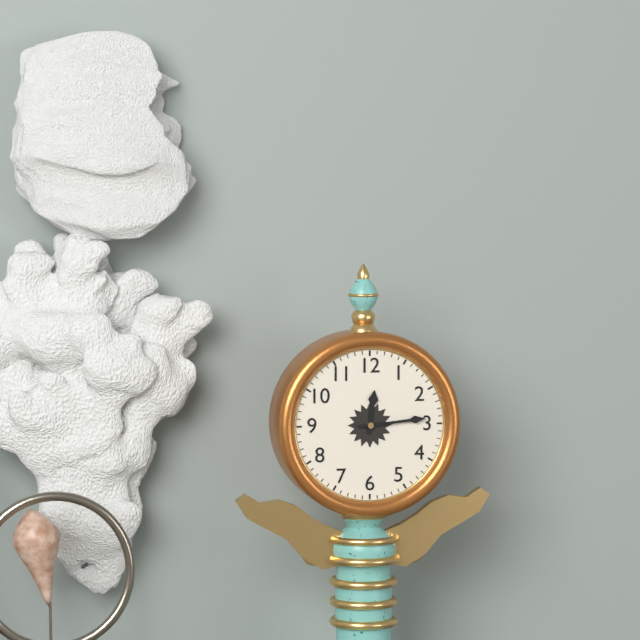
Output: h=12 m=14
